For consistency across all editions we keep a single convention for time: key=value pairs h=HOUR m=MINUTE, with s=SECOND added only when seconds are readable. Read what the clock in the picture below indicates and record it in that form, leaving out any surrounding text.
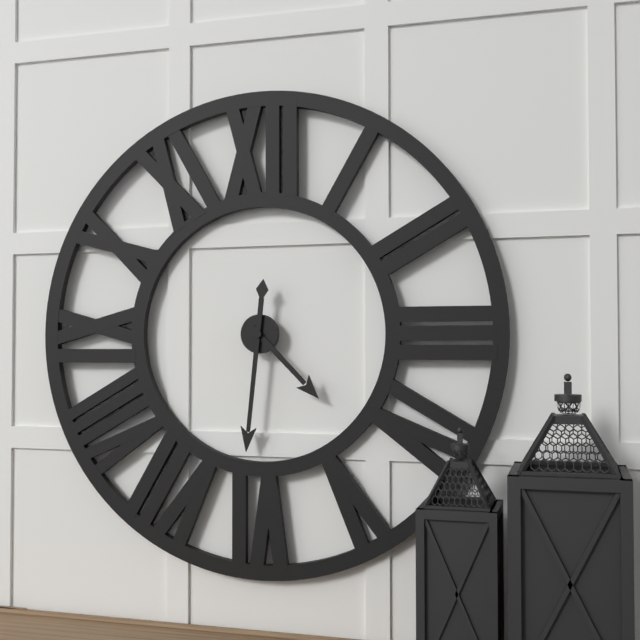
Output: h=4 m=31
